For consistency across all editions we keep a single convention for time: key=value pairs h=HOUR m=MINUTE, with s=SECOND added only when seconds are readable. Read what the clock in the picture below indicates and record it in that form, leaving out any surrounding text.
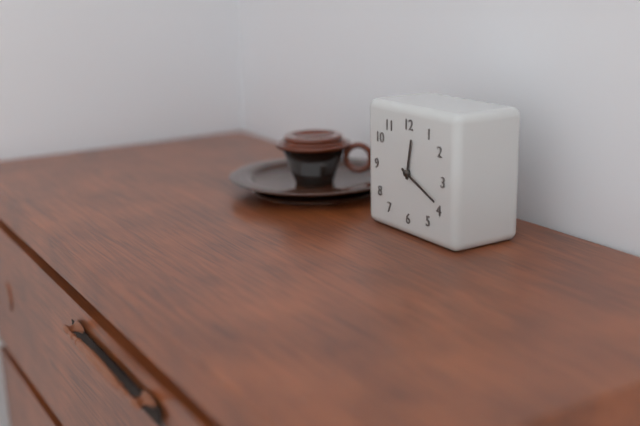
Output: h=12 m=19
